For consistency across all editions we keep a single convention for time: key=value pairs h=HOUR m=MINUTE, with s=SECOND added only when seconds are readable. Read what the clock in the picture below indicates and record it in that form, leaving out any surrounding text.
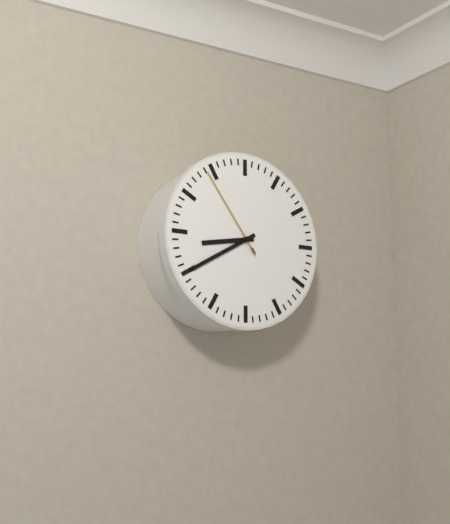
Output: h=8 m=40 s=54
